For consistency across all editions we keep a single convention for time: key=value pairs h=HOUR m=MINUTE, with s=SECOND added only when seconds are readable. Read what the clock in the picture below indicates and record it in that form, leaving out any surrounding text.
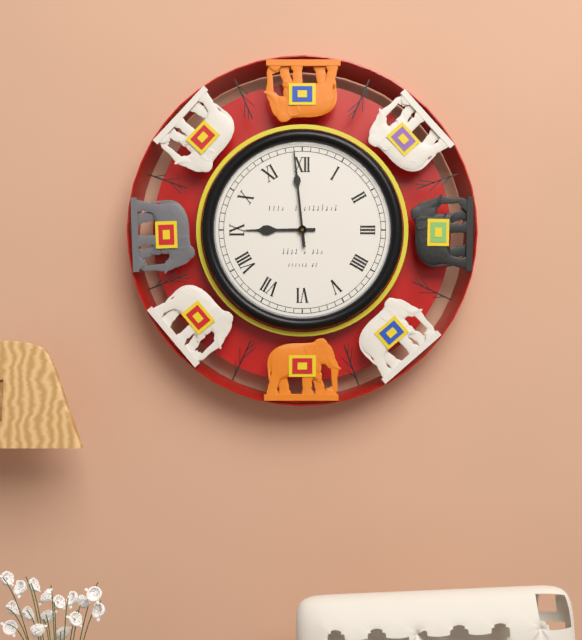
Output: h=8 m=59
